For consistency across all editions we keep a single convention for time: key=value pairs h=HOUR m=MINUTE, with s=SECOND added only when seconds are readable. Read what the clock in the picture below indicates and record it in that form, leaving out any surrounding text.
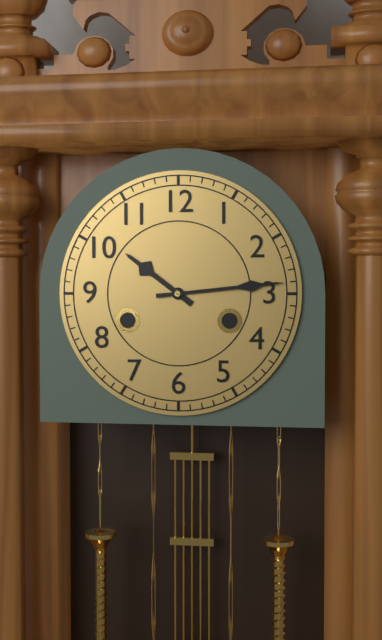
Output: h=10 m=14
